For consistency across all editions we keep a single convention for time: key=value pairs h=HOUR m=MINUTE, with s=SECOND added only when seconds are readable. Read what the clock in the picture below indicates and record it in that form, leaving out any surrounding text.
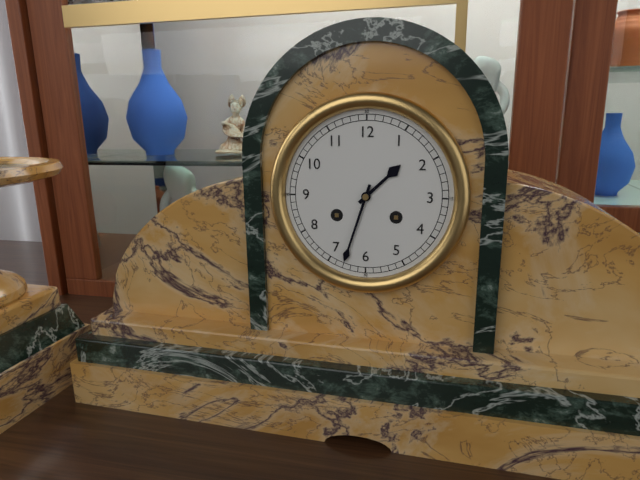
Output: h=1 m=33
